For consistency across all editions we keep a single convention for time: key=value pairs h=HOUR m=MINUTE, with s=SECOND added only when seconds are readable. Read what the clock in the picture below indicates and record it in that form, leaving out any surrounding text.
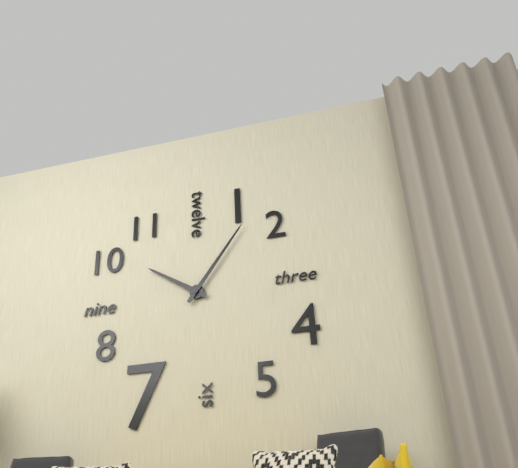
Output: h=10 m=6
